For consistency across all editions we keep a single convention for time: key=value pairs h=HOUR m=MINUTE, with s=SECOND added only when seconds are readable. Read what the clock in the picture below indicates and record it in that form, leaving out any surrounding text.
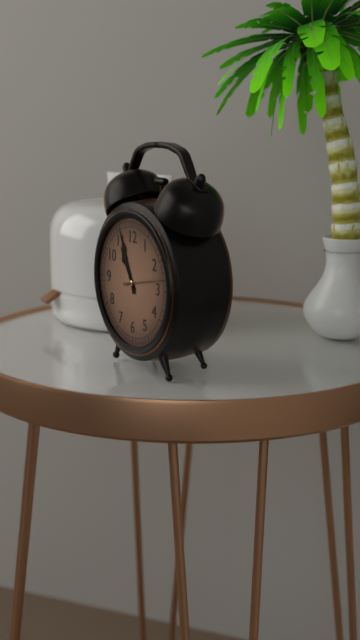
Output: h=10 m=56
